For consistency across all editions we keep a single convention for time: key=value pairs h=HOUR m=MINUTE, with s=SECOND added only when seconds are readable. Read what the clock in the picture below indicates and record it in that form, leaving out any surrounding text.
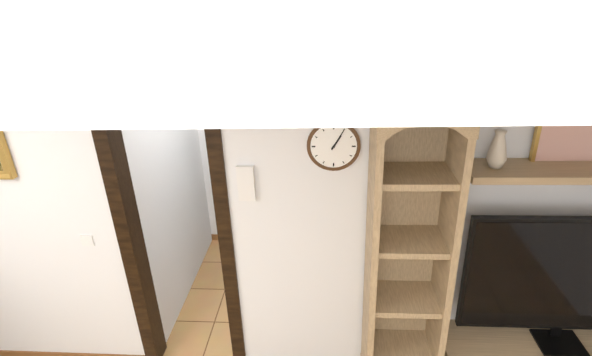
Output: h=1 m=5
